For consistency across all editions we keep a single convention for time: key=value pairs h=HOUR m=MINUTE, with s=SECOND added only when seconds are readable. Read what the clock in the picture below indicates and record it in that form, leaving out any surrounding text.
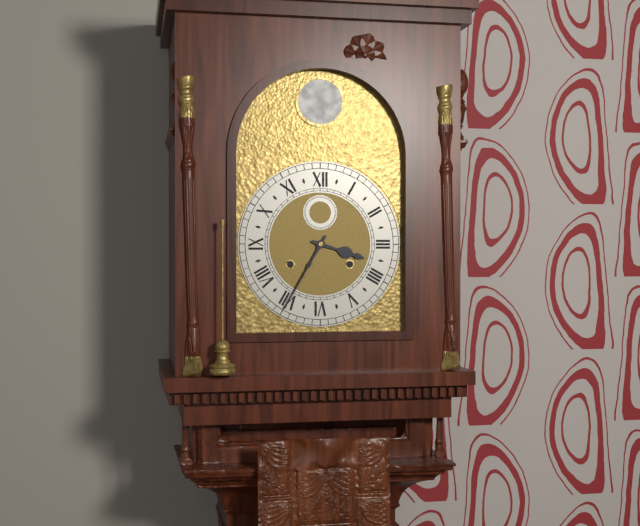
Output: h=3 m=35
